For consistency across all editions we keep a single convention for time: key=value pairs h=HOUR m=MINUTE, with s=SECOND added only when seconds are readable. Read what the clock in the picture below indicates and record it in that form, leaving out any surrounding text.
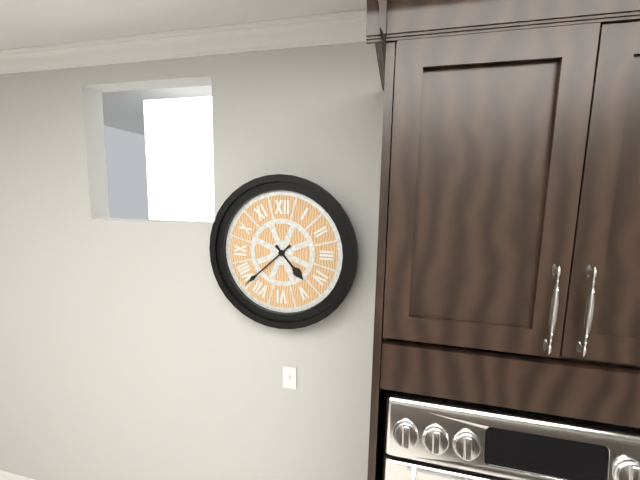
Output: h=4 m=38
